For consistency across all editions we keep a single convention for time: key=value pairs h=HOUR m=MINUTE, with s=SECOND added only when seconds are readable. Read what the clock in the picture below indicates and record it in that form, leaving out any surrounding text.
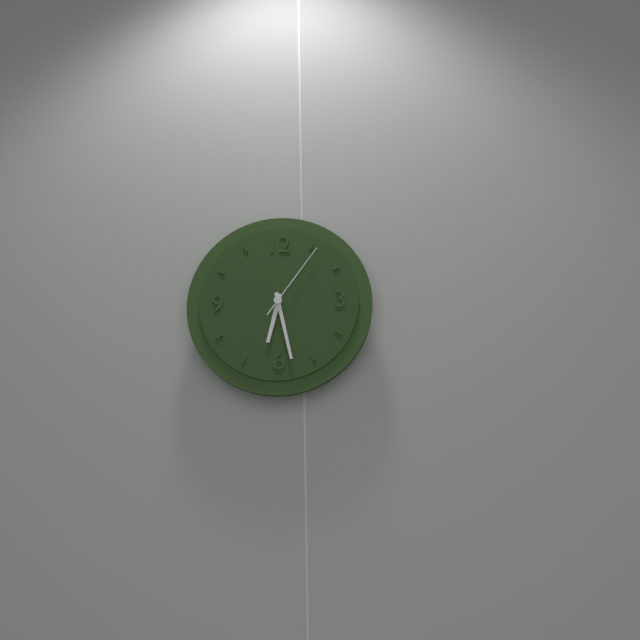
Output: h=6 m=28 s=6
